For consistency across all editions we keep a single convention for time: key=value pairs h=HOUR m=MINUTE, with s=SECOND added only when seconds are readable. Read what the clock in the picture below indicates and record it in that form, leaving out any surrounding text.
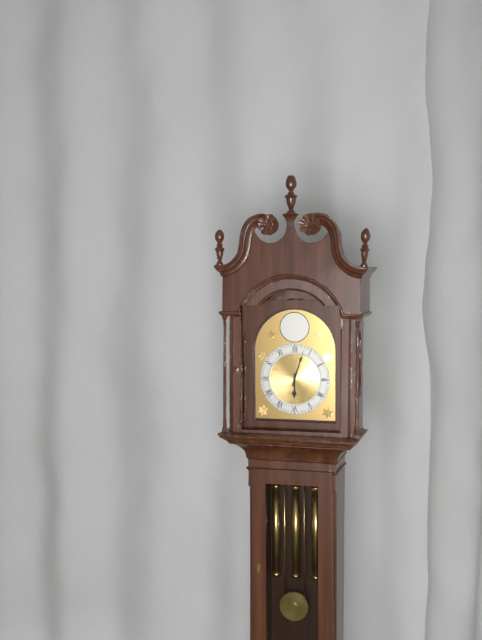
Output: h=6 m=3
